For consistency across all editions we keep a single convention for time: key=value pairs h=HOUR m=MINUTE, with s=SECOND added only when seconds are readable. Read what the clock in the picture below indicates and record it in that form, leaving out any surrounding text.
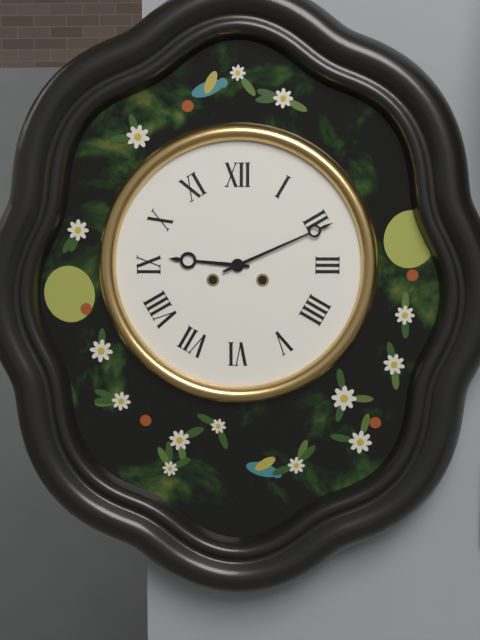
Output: h=9 m=11
